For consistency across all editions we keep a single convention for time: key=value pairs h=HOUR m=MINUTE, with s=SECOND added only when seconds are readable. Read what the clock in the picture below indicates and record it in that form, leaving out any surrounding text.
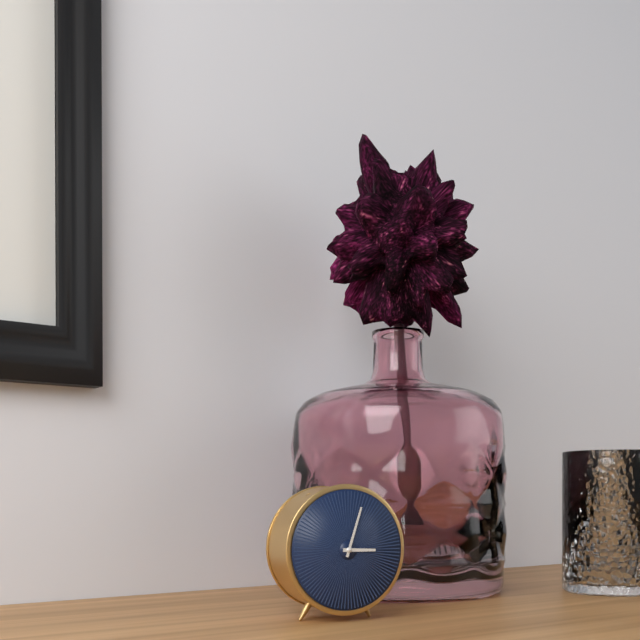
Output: h=3 m=3
